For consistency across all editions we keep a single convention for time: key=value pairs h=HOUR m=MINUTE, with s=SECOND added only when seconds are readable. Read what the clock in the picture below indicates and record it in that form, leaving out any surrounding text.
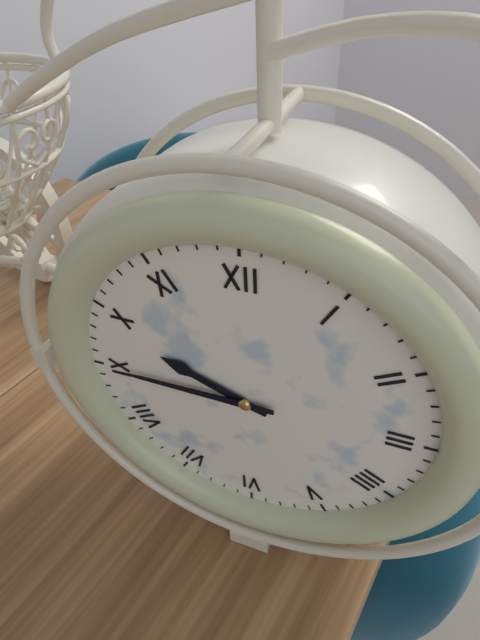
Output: h=9 m=45
